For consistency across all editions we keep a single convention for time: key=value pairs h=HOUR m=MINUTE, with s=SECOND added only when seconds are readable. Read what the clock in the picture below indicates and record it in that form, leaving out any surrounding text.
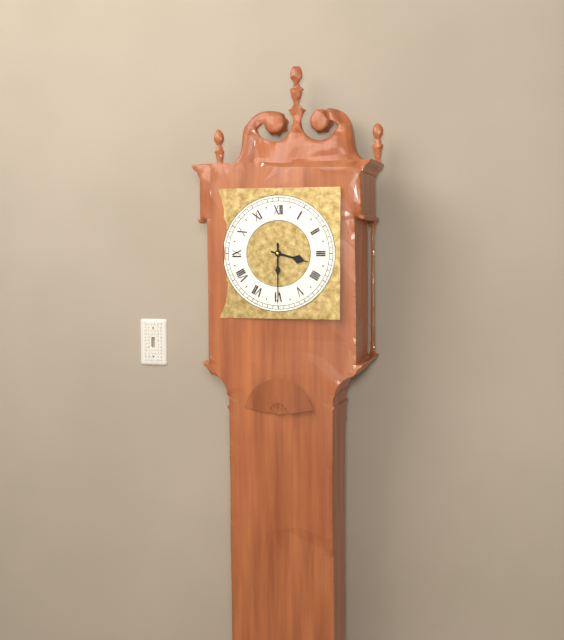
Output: h=3 m=30
